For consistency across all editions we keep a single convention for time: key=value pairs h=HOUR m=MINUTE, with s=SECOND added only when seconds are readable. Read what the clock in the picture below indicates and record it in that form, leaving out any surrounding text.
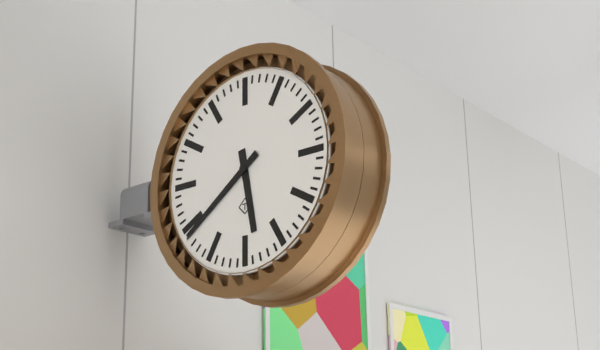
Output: h=5 m=39
